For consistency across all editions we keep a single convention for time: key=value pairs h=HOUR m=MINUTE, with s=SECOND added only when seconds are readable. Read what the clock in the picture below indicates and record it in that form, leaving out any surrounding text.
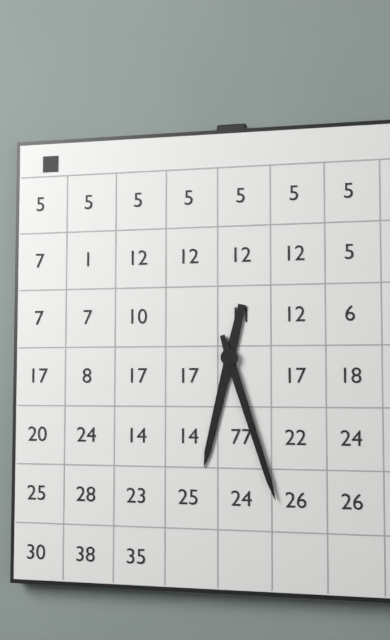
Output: h=6 m=27
